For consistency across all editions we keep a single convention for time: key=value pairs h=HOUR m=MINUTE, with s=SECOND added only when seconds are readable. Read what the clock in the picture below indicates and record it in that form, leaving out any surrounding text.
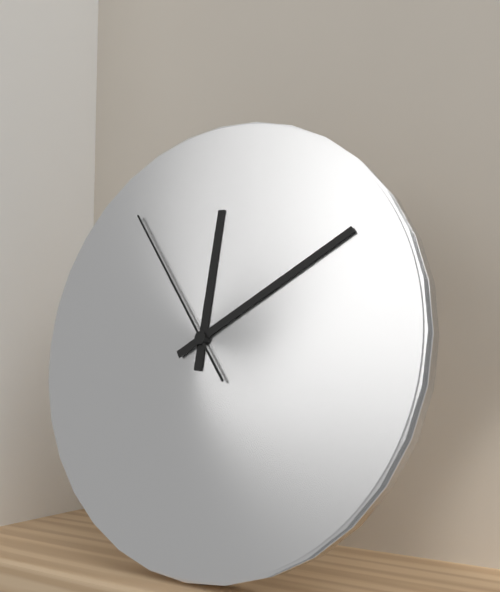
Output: h=12 m=10 s=54
